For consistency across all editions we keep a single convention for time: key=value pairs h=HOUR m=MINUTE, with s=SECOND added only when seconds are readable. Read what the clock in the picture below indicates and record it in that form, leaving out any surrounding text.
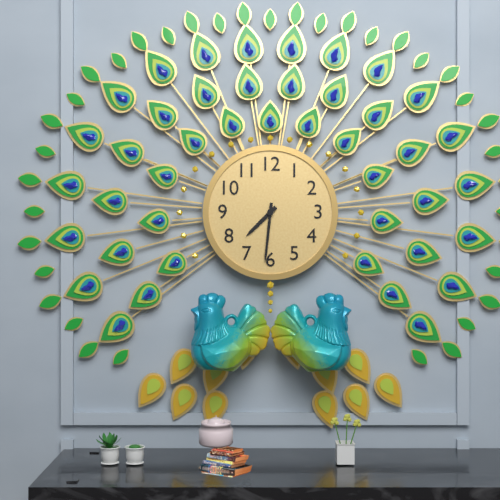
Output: h=7 m=31
